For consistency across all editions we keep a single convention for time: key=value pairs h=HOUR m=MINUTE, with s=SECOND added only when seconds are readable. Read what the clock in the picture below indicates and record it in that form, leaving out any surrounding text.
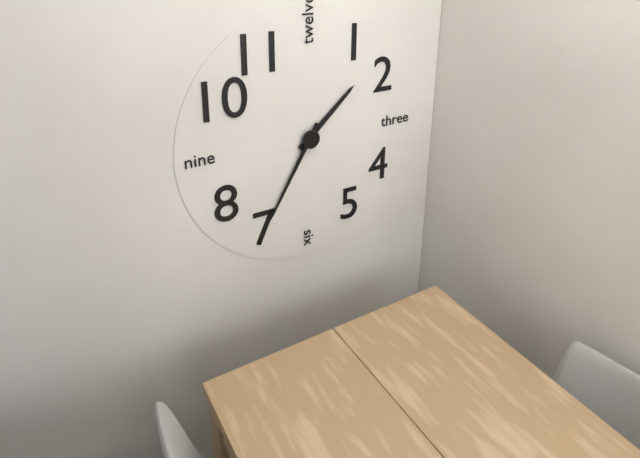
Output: h=1 m=35
